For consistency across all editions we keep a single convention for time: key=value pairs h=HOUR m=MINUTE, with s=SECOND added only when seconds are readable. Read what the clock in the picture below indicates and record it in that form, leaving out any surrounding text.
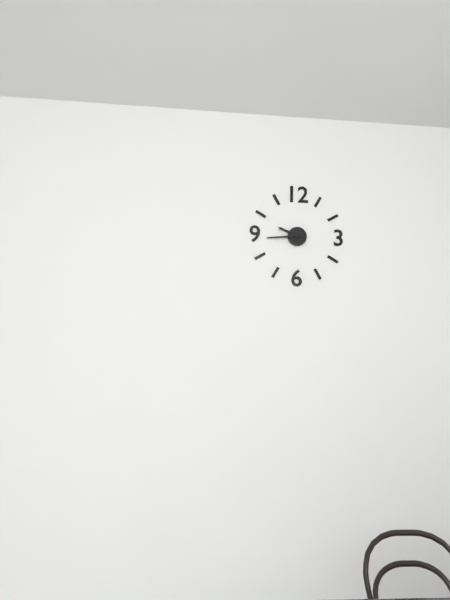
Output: h=9 m=44
